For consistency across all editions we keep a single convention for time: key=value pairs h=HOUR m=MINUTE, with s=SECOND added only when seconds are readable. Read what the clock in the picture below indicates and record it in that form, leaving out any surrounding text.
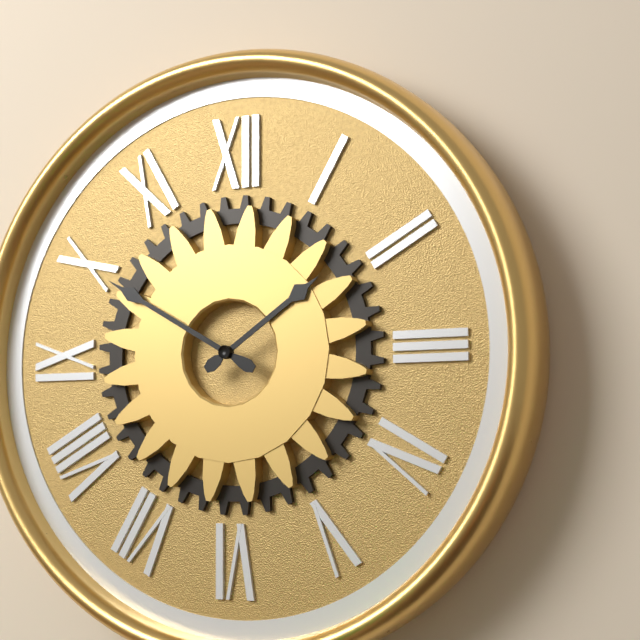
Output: h=1 m=50
